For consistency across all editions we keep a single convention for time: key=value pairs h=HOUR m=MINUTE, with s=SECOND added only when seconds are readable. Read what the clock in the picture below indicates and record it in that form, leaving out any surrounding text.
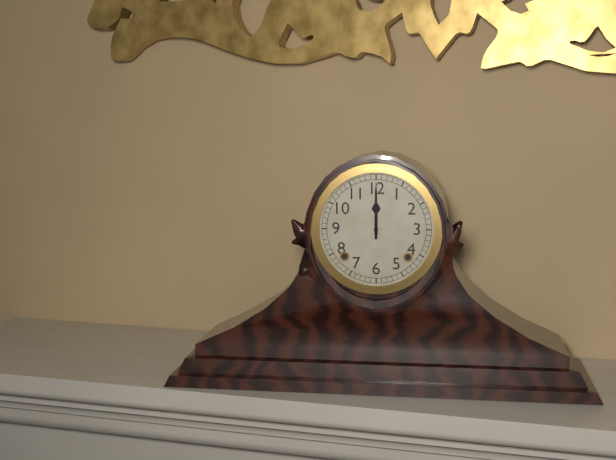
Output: h=12 m=0
